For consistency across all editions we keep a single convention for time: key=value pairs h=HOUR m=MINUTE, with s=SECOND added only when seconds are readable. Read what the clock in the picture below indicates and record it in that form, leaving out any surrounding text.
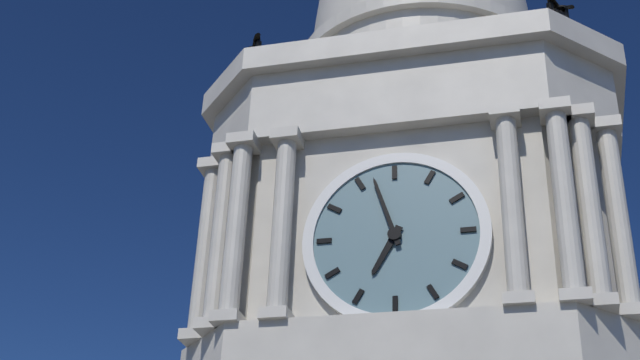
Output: h=6 m=57
